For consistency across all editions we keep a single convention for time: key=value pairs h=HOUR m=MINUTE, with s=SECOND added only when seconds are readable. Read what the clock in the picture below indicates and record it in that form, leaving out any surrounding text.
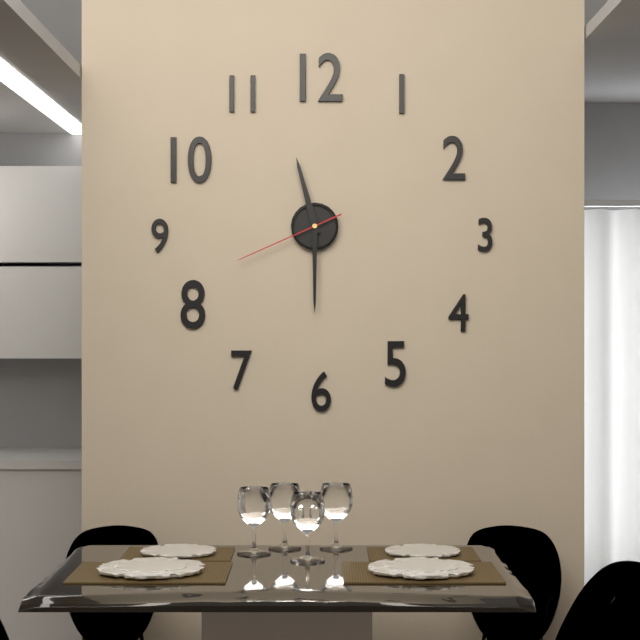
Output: h=11 m=30 s=41
